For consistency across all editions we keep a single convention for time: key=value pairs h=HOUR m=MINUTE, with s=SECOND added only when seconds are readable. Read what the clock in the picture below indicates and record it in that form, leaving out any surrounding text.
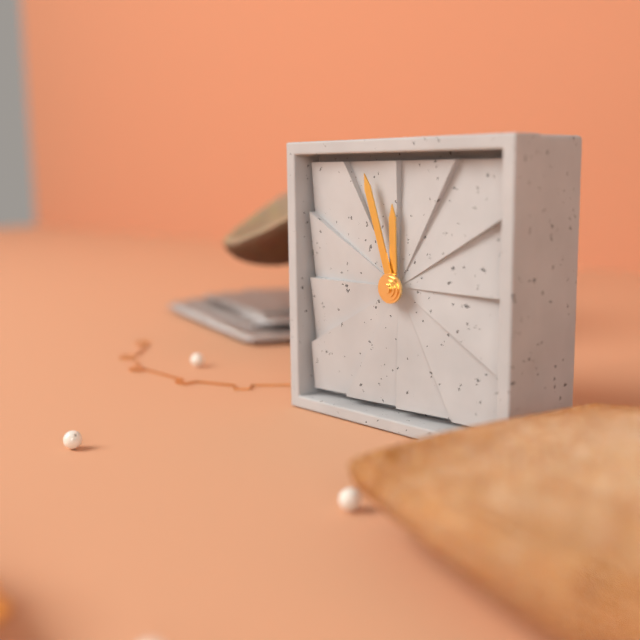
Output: h=11 m=57
